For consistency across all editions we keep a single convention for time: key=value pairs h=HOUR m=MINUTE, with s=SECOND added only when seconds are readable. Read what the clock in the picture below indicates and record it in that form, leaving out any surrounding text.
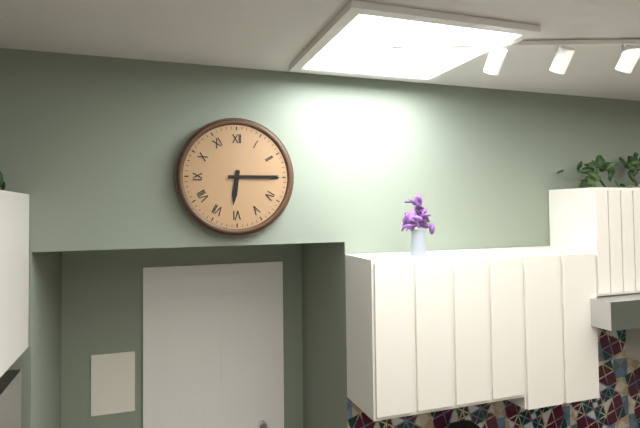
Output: h=6 m=15
